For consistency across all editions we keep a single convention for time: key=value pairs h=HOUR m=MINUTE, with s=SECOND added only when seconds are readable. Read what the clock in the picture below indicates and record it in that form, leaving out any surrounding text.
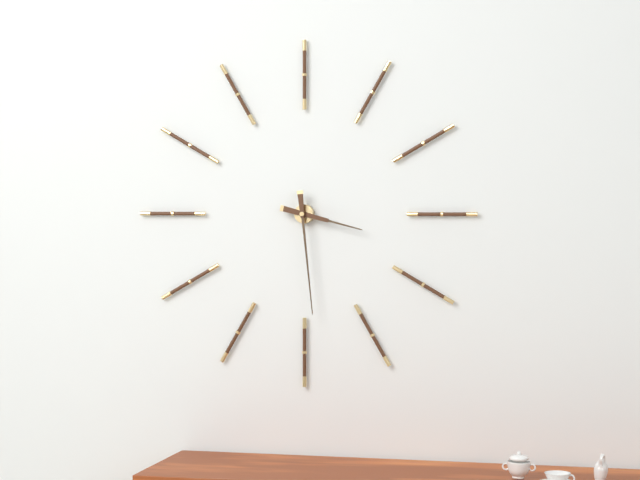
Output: h=3 m=29
